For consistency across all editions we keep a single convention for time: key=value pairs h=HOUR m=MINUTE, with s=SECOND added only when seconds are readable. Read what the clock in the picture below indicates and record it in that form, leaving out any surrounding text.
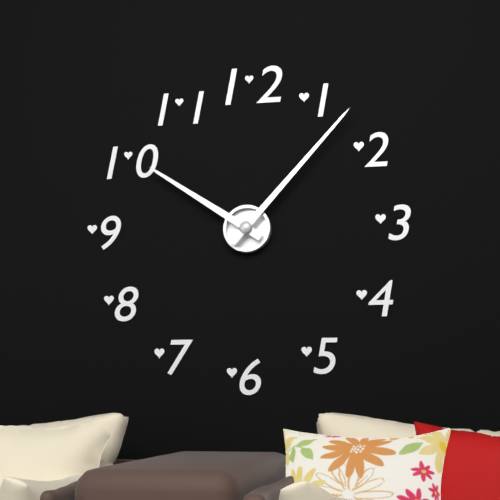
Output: h=10 m=7
